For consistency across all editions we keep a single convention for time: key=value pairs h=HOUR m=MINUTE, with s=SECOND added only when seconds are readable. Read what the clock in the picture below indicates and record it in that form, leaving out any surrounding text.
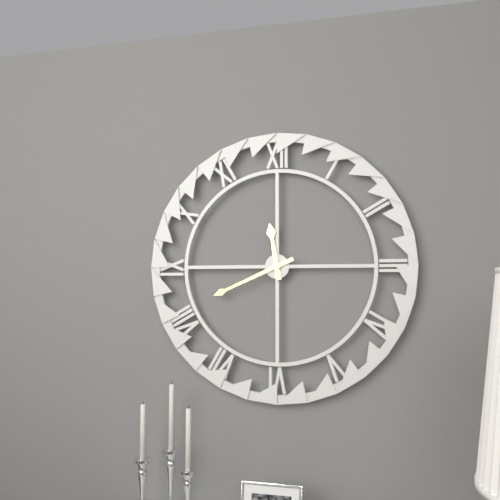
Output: h=11 m=41
